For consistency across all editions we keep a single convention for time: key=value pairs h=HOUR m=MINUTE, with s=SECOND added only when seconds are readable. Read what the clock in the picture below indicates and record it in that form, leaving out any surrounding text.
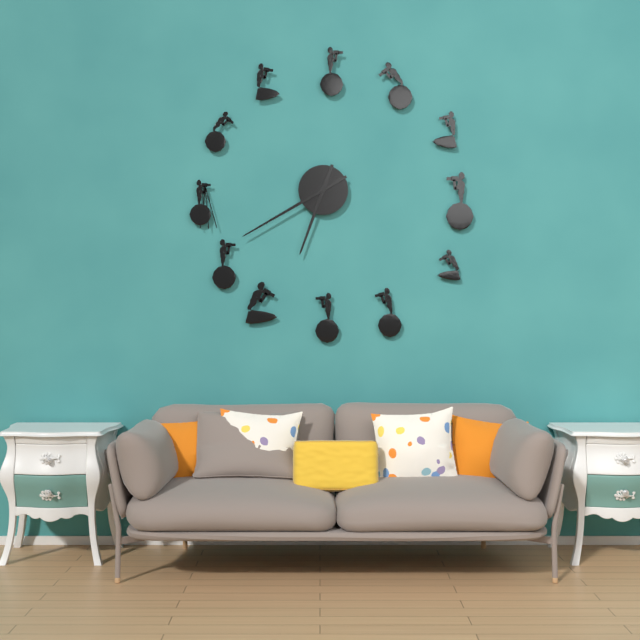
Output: h=6 m=40
